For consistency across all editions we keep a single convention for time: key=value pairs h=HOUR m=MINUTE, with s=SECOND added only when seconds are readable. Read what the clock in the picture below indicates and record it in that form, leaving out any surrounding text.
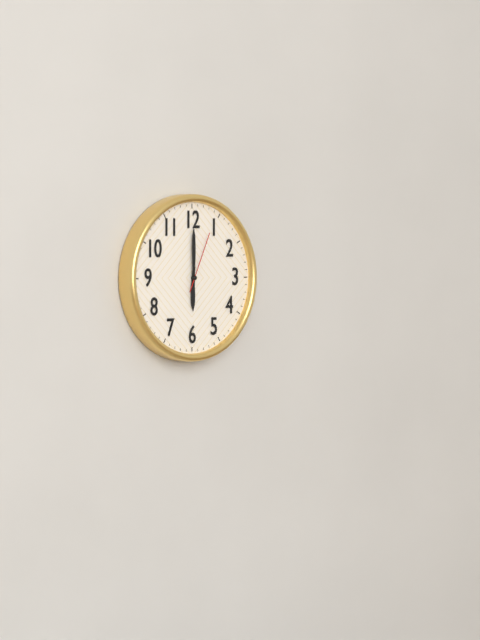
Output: h=6 m=0 s=4
